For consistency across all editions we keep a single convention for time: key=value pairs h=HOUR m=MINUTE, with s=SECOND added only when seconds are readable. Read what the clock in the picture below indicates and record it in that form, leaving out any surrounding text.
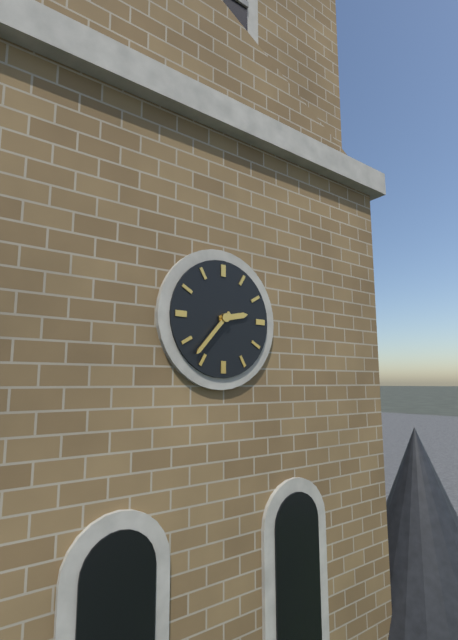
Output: h=2 m=37
